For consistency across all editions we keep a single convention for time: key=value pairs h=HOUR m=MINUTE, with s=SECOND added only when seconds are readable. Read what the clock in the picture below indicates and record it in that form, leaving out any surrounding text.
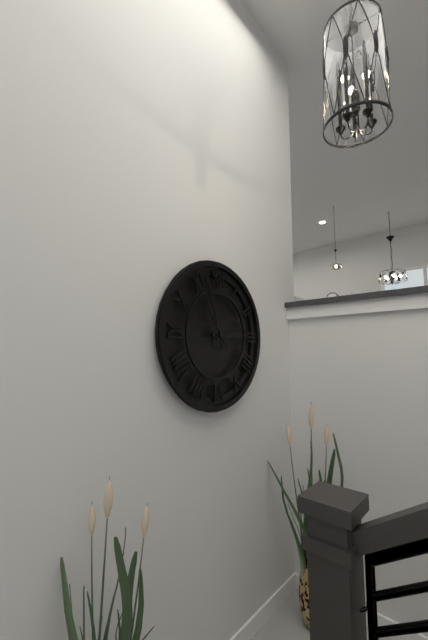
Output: h=2 m=57 s=54
